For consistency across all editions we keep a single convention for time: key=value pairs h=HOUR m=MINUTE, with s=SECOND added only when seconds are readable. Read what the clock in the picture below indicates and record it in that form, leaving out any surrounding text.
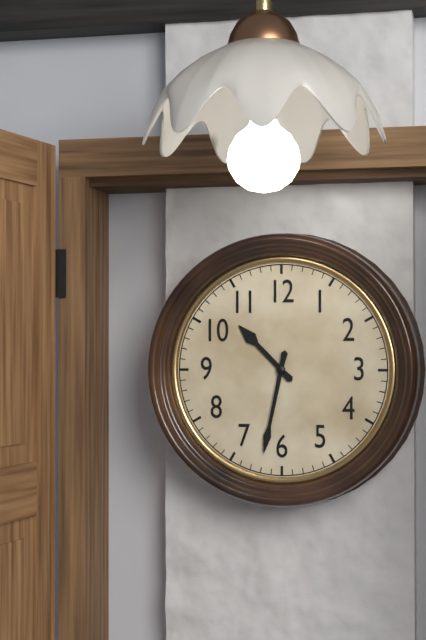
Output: h=10 m=32
